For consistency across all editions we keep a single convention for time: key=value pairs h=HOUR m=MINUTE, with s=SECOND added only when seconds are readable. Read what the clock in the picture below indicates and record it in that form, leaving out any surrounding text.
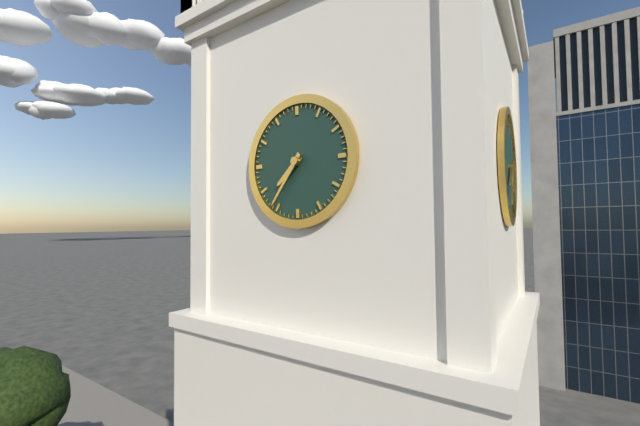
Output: h=7 m=36
